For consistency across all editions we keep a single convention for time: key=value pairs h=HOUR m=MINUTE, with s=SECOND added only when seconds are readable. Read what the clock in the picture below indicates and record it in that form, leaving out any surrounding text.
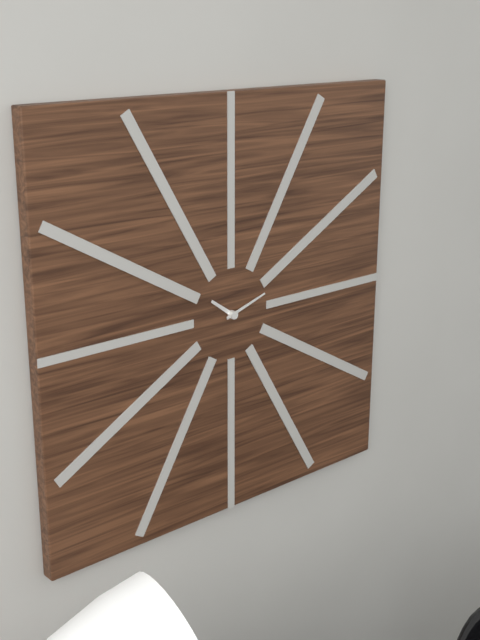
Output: h=10 m=12
